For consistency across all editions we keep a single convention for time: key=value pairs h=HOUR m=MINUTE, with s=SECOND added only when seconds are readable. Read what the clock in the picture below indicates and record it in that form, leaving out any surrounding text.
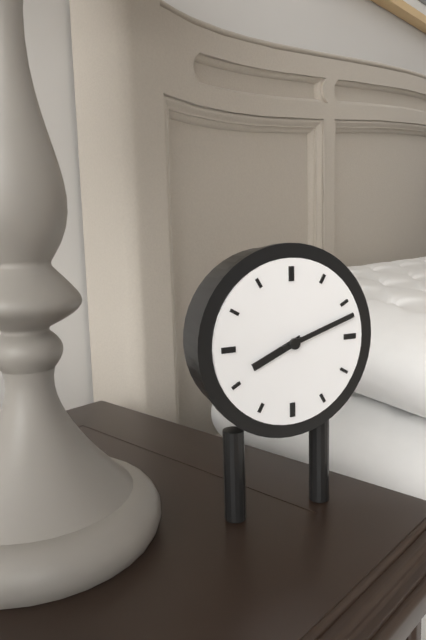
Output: h=8 m=12
